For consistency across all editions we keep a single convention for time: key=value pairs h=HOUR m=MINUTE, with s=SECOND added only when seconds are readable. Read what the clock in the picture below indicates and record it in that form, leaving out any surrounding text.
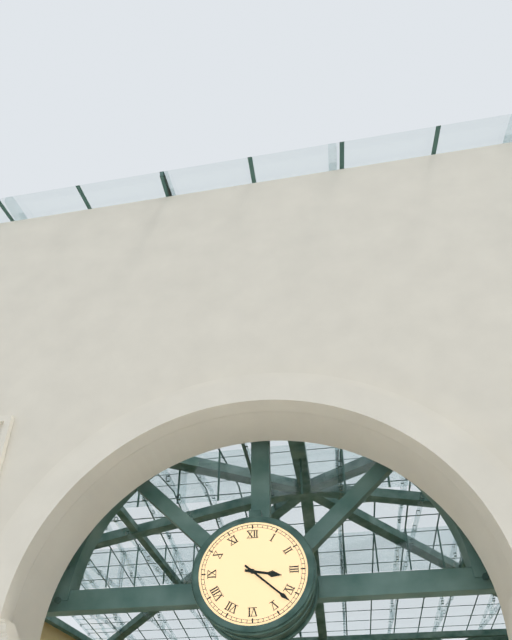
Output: h=3 m=22
